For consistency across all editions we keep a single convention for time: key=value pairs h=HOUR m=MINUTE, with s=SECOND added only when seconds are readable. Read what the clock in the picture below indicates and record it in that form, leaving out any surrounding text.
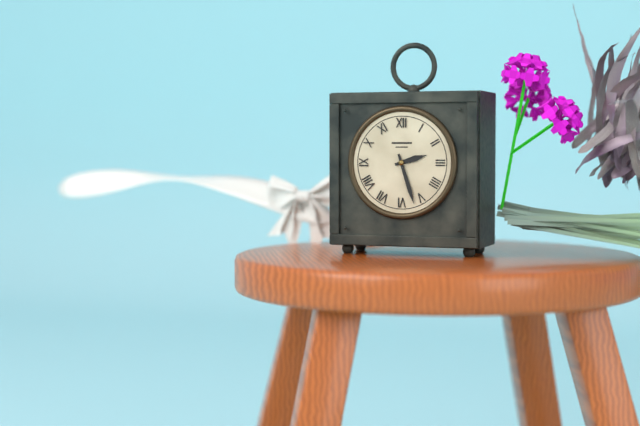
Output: h=2 m=27
